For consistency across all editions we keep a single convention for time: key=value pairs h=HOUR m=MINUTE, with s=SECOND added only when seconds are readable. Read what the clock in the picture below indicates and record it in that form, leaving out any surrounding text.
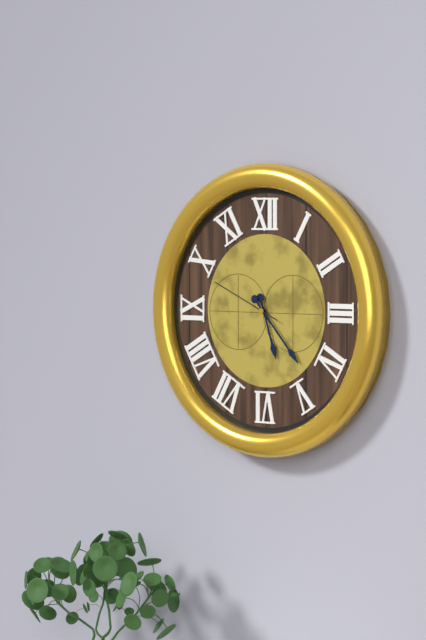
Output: h=5 m=23 s=49
